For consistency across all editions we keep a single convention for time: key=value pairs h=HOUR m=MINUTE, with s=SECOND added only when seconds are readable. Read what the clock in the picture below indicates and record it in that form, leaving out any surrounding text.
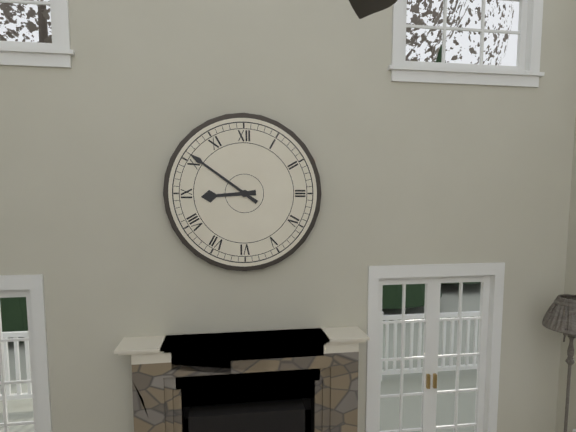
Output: h=8 m=51
